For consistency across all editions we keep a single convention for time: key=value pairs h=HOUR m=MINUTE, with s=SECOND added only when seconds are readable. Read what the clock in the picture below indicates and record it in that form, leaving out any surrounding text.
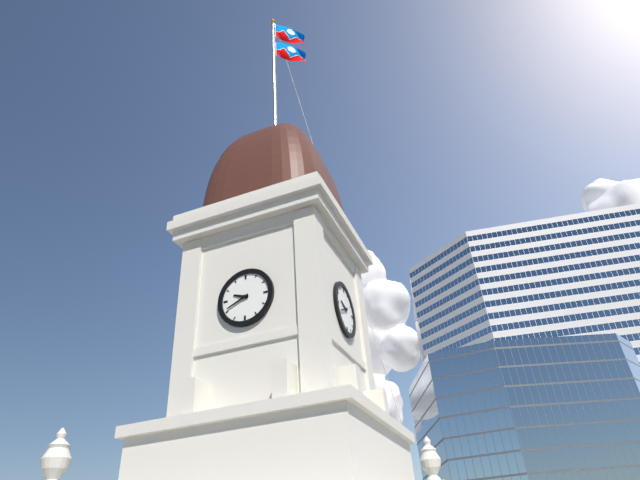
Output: h=9 m=41
